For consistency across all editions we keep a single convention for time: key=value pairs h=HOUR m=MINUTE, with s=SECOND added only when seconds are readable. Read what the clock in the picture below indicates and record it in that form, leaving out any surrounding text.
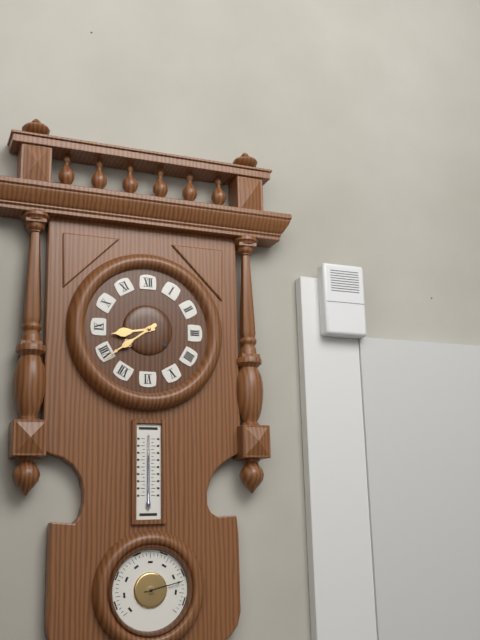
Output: h=8 m=39
